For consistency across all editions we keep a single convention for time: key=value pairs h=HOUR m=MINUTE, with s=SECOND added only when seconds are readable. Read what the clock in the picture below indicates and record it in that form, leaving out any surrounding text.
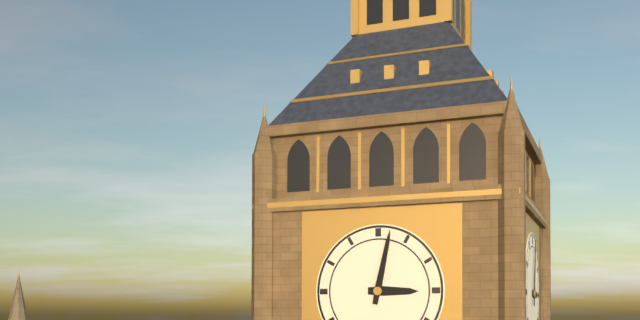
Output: h=3 m=2
